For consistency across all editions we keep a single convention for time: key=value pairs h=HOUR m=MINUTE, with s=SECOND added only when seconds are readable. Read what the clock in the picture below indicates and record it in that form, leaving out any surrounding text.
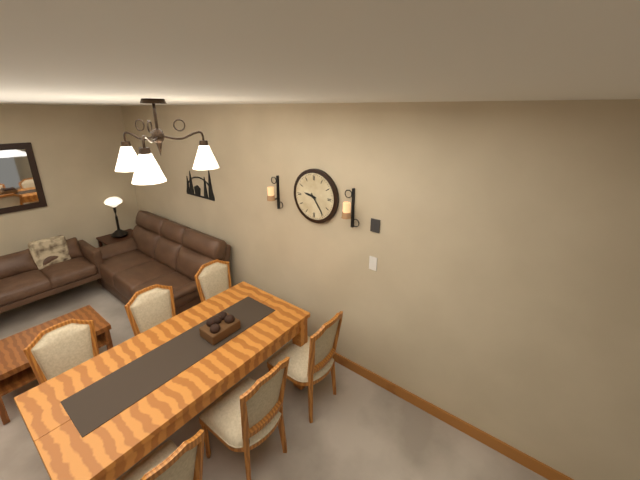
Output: h=9 m=24
